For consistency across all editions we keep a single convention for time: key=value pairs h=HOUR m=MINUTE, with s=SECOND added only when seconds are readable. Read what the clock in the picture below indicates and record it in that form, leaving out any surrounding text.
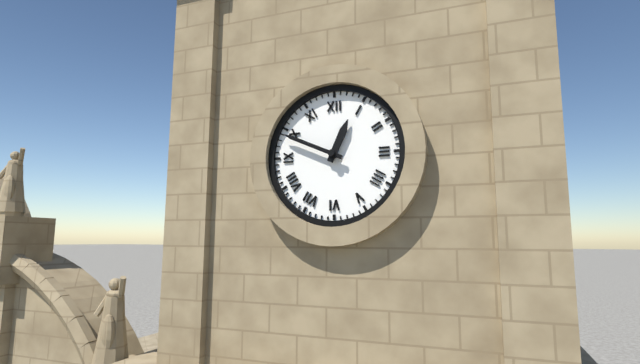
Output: h=12 m=49
